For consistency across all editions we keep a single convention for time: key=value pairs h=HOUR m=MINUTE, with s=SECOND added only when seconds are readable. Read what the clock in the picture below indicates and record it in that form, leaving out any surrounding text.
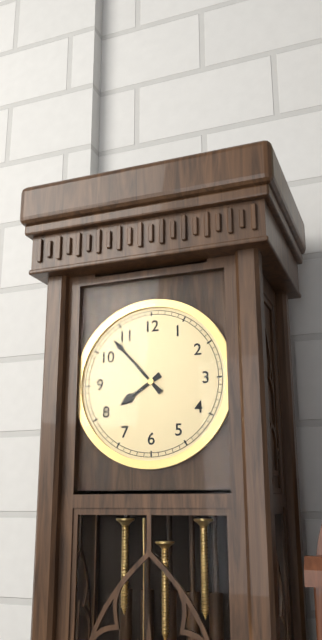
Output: h=7 m=53
